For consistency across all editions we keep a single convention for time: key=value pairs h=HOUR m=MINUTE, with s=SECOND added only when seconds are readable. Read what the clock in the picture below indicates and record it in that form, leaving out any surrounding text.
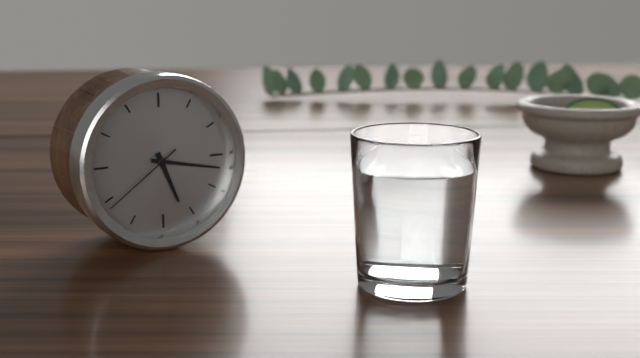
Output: h=5 m=17 s=39
